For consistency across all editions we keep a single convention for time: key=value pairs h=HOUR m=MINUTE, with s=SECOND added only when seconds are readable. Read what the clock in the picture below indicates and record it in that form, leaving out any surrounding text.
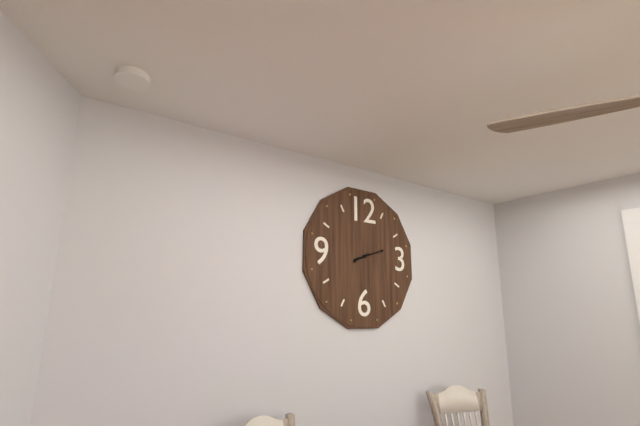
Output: h=8 m=12
